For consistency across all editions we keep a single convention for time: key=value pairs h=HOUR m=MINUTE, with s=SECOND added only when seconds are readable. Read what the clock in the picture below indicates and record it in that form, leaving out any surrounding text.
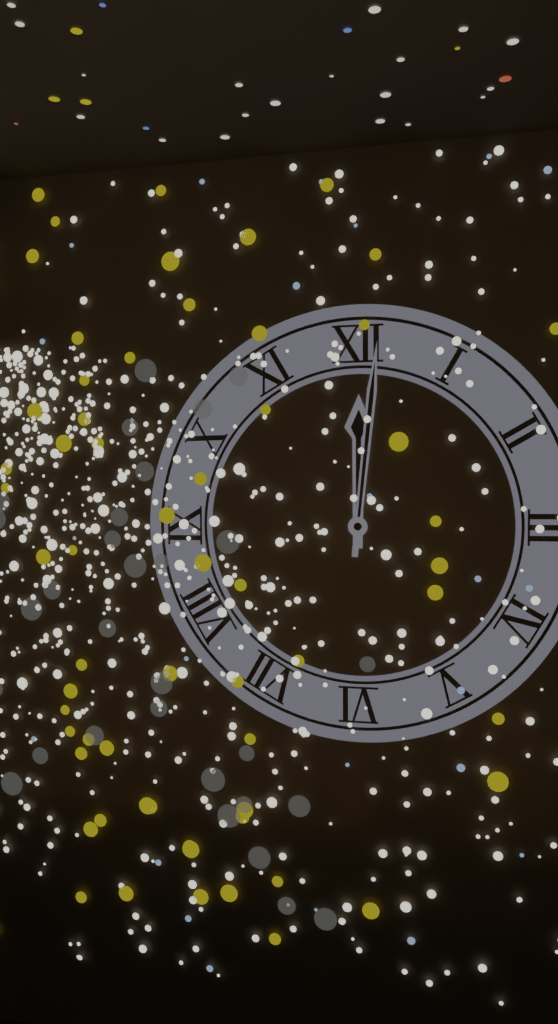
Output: h=12 m=1
